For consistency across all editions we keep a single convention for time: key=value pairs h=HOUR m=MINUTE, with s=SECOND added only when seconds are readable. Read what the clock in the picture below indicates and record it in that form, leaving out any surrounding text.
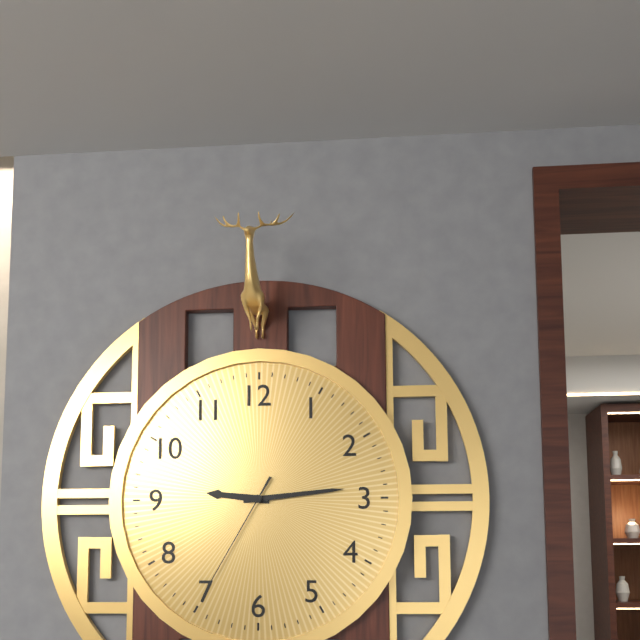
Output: h=9 m=14 s=35
